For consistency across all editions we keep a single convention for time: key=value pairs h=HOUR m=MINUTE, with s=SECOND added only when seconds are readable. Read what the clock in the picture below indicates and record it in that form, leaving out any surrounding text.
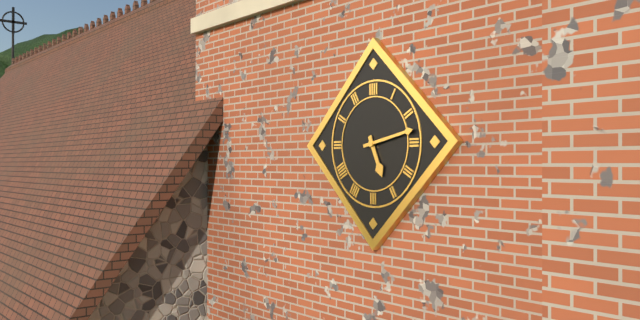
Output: h=5 m=13
